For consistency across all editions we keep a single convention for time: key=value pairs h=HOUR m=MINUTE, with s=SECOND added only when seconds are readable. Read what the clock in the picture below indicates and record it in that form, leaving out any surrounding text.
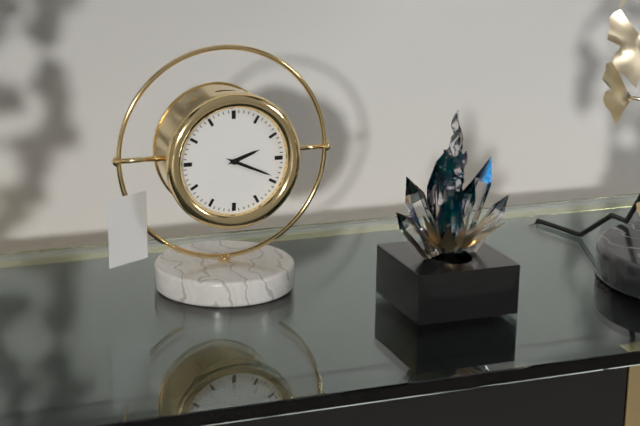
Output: h=2 m=19
